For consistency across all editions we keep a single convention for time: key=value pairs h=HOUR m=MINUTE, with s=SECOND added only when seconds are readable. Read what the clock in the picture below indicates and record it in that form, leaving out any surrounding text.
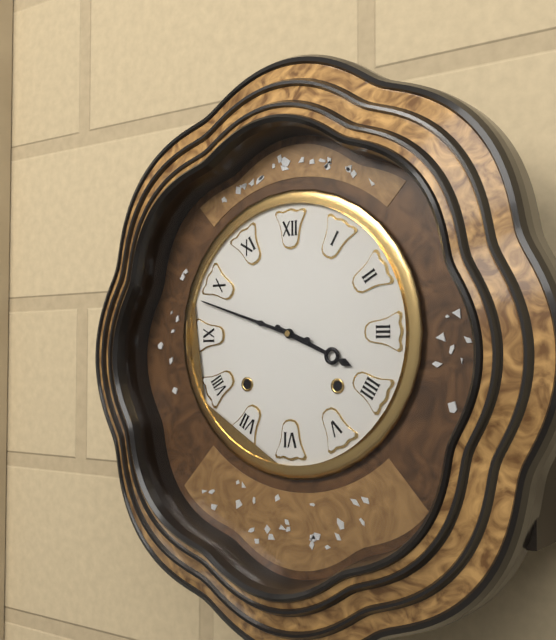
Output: h=3 m=48
